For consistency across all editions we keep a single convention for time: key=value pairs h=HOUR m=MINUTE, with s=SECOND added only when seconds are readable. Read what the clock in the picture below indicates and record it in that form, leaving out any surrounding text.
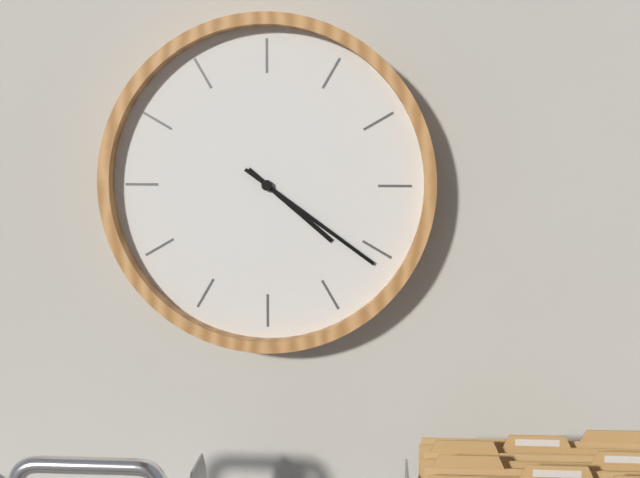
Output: h=4 m=21
